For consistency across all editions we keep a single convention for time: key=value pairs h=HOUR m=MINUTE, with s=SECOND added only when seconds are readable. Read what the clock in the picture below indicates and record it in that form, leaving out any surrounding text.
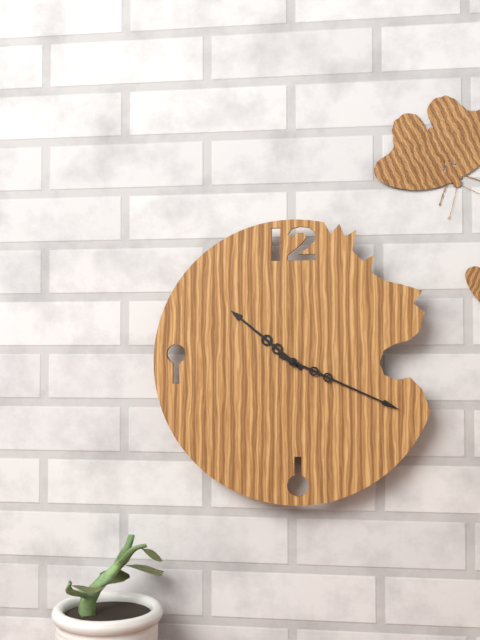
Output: h=10 m=19
